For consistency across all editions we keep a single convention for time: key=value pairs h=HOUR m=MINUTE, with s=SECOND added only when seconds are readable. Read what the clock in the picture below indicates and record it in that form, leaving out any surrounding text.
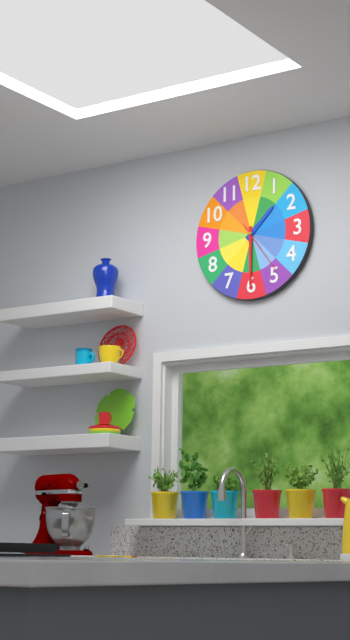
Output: h=1 m=30 s=24
